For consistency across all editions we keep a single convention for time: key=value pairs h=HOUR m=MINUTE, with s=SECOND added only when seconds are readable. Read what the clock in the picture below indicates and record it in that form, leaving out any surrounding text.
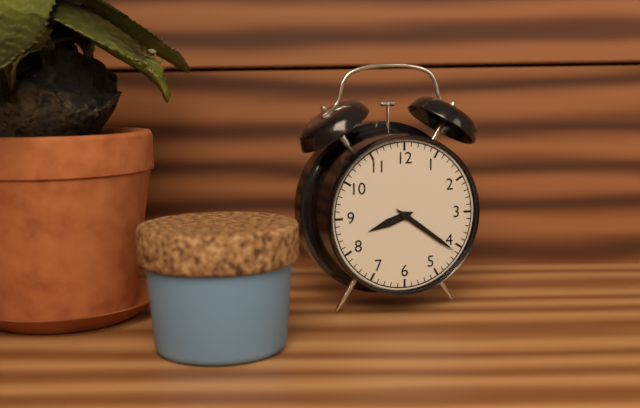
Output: h=8 m=21
